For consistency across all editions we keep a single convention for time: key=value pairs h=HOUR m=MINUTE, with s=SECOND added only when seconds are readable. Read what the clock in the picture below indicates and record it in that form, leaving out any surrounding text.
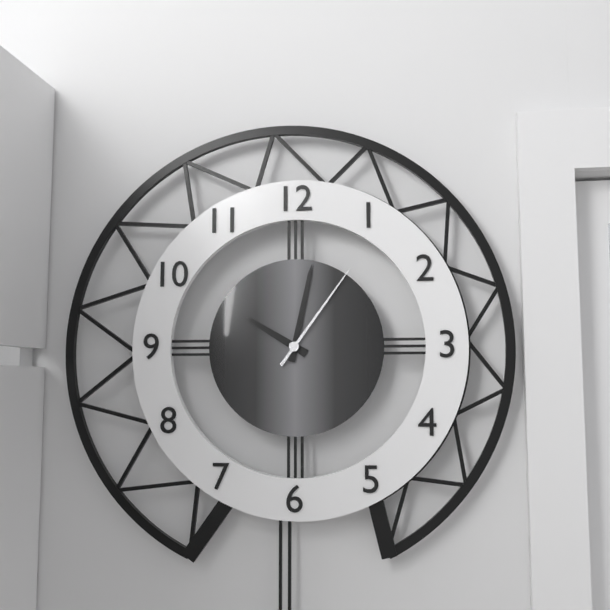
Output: h=10 m=2 s=6
